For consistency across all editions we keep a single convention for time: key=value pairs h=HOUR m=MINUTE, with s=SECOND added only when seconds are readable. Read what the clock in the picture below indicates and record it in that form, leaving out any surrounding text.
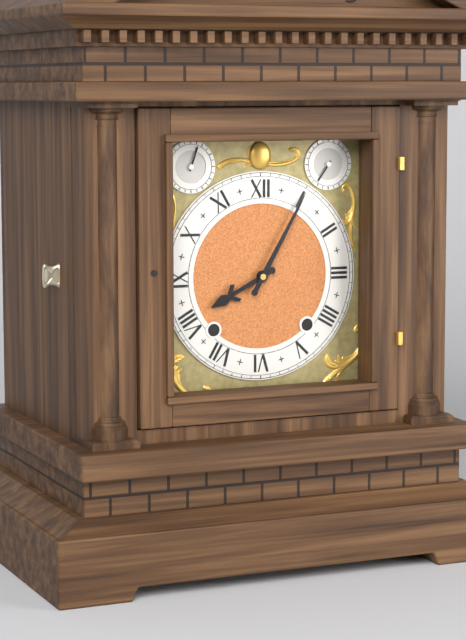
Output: h=8 m=5
